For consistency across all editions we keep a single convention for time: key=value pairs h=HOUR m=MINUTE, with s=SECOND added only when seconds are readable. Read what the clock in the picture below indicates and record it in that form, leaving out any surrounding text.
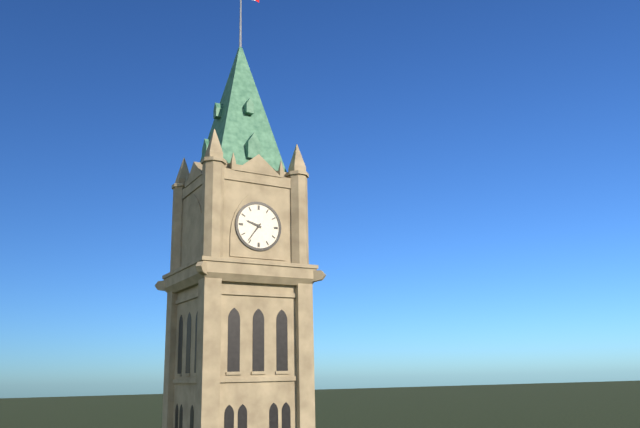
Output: h=9 m=36
